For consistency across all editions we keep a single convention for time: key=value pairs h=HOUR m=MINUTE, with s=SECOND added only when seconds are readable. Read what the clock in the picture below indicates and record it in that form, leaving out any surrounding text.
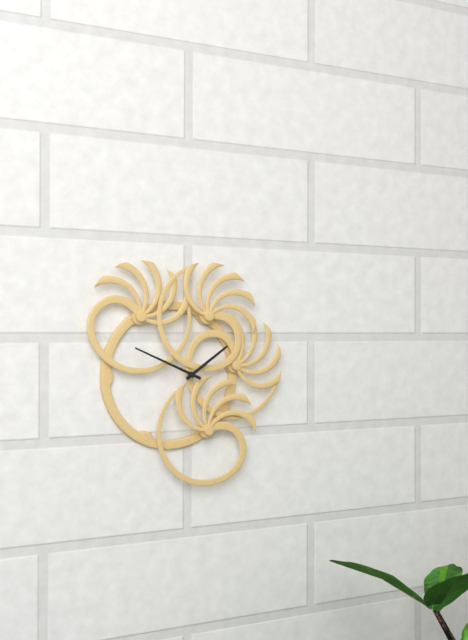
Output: h=1 m=49
